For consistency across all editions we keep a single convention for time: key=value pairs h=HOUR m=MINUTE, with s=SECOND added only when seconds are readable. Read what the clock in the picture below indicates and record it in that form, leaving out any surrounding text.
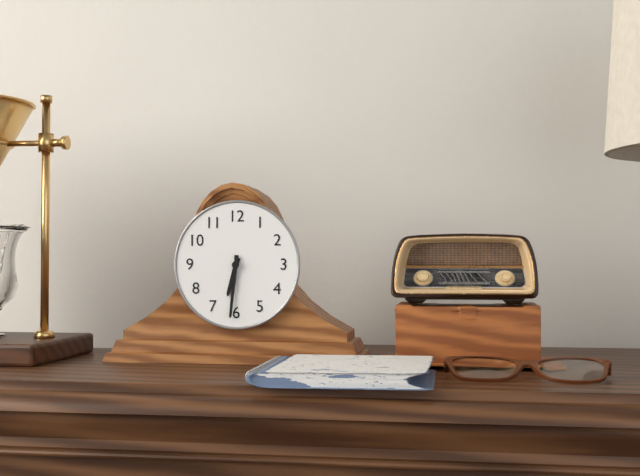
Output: h=6 m=31
